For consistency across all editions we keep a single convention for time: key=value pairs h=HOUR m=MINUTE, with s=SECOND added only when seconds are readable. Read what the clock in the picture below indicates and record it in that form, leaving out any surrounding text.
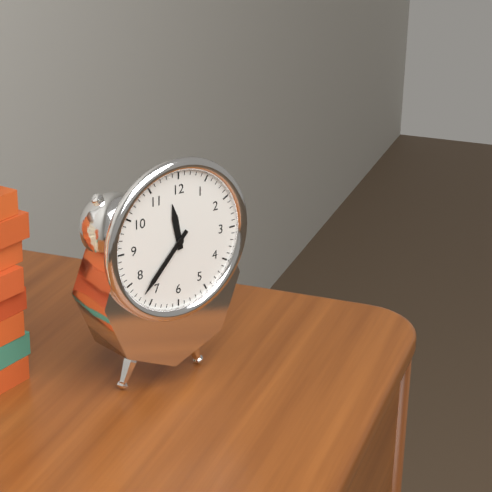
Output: h=11 m=37
